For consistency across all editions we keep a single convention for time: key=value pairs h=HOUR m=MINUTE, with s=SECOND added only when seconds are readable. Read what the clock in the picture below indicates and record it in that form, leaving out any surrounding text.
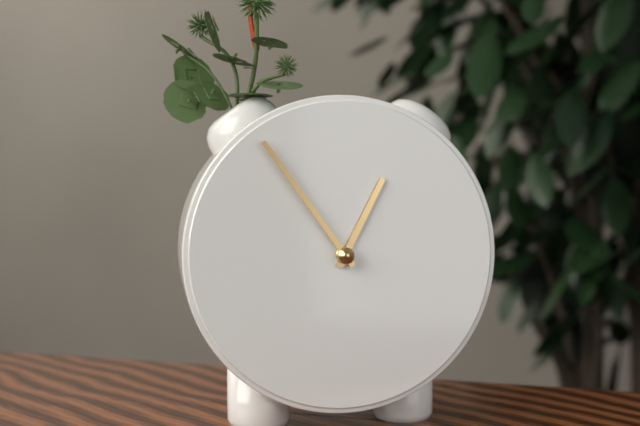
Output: h=12 m=54
